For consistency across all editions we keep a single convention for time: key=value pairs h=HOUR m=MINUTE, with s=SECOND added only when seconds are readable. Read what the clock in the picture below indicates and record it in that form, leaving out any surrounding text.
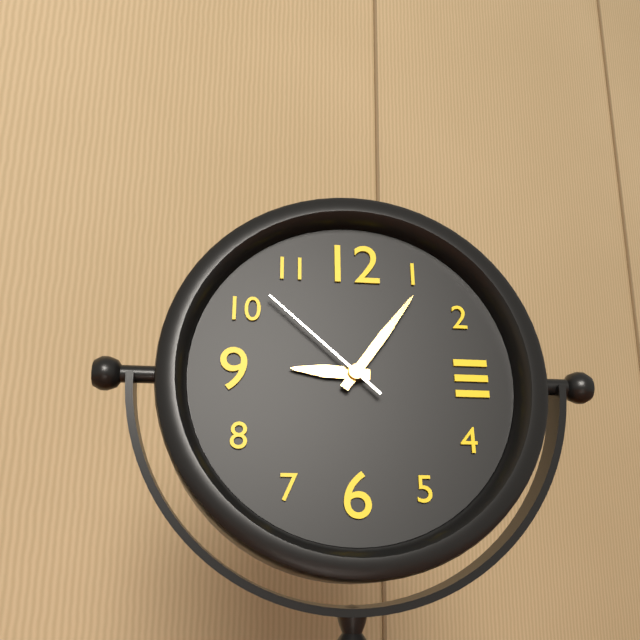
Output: h=9 m=6 s=52
